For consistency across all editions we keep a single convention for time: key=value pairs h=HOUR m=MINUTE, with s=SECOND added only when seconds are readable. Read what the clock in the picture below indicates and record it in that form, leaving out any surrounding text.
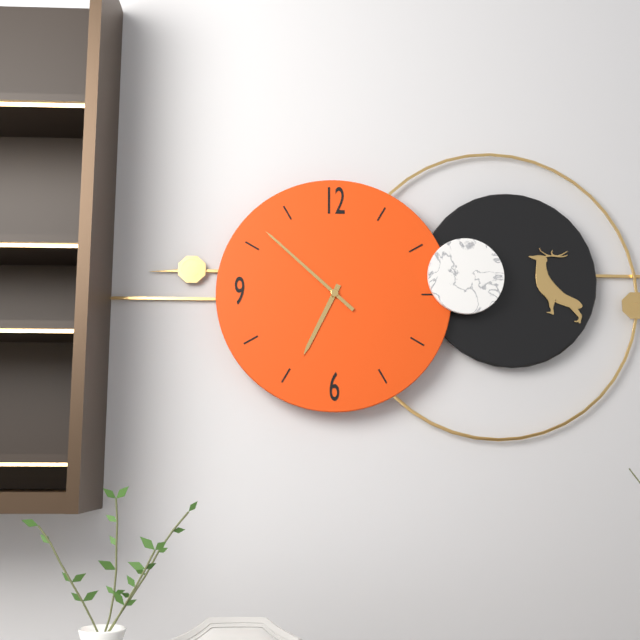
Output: h=6 m=52
